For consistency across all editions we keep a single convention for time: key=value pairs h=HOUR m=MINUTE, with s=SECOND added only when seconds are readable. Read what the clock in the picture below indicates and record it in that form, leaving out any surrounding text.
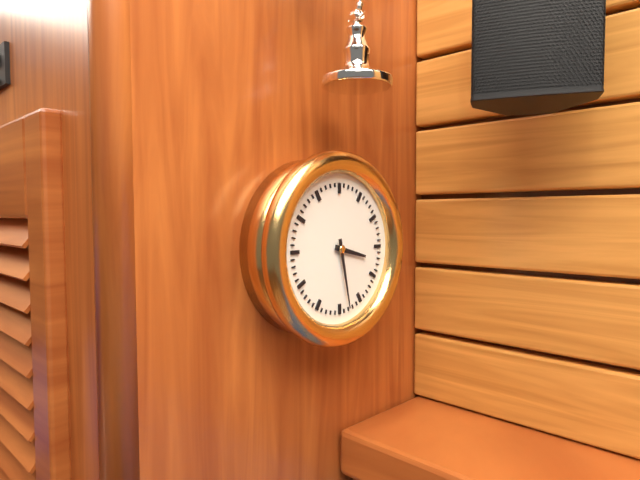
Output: h=3 m=28
